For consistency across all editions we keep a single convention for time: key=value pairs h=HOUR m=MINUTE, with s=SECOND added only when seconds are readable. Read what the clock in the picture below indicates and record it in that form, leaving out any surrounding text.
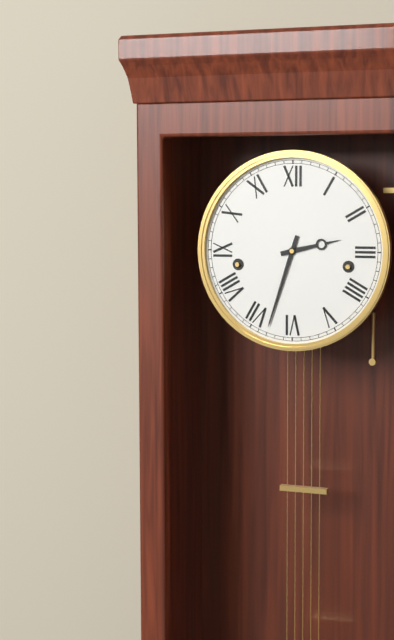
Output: h=2 m=33
